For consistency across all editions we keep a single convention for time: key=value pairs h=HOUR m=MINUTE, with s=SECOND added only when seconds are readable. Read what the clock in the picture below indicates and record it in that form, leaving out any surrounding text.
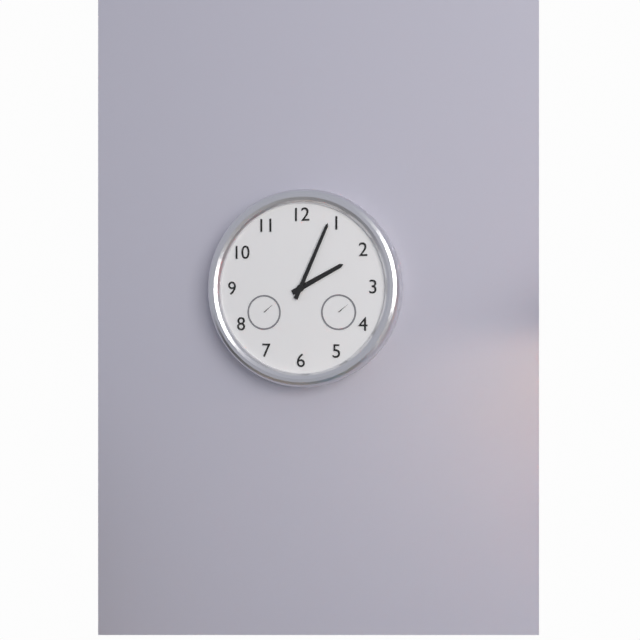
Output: h=2 m=4
